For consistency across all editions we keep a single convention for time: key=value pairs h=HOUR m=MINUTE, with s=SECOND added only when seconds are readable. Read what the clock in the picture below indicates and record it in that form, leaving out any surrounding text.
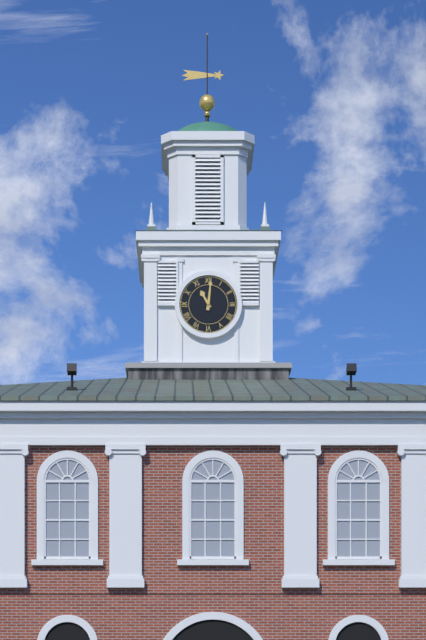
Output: h=11 m=1
